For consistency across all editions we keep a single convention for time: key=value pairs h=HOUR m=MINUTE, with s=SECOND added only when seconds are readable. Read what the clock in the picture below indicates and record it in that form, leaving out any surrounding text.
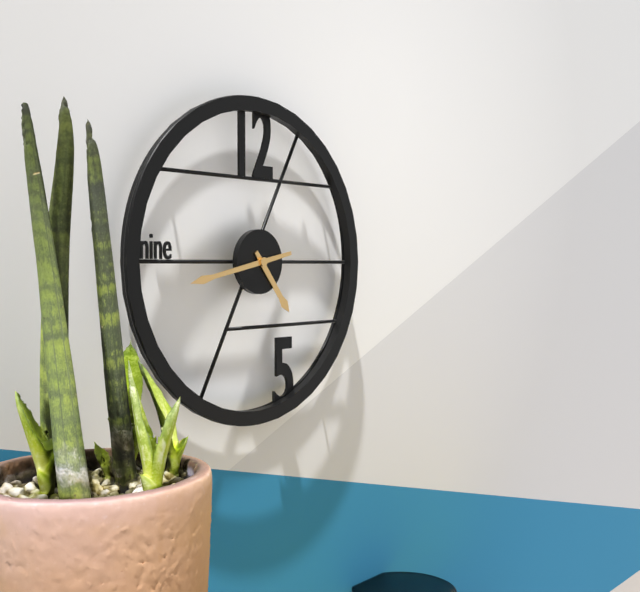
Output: h=4 m=43
